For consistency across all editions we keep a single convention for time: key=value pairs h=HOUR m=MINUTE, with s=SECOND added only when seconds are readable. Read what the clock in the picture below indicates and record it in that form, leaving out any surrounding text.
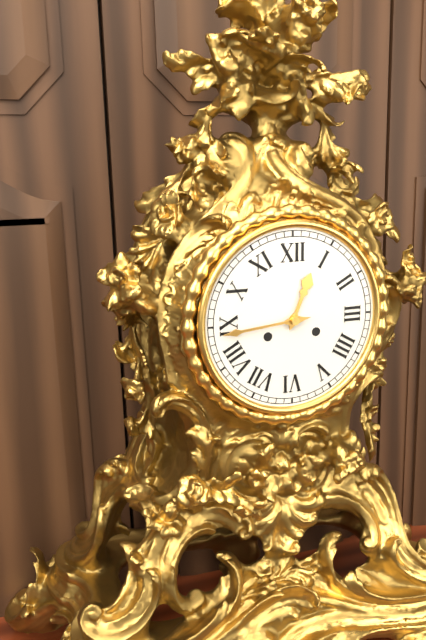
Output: h=12 m=44
